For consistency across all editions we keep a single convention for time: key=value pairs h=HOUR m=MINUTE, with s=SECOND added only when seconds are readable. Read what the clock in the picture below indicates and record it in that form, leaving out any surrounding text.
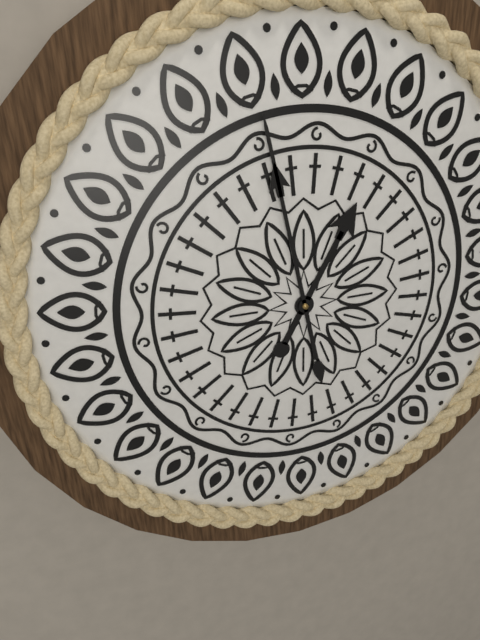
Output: h=12 m=58
